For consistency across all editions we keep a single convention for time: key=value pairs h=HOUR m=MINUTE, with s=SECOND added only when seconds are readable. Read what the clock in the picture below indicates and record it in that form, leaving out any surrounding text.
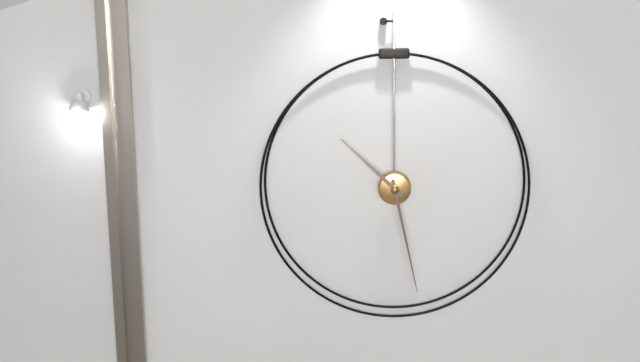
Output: h=10 m=28
